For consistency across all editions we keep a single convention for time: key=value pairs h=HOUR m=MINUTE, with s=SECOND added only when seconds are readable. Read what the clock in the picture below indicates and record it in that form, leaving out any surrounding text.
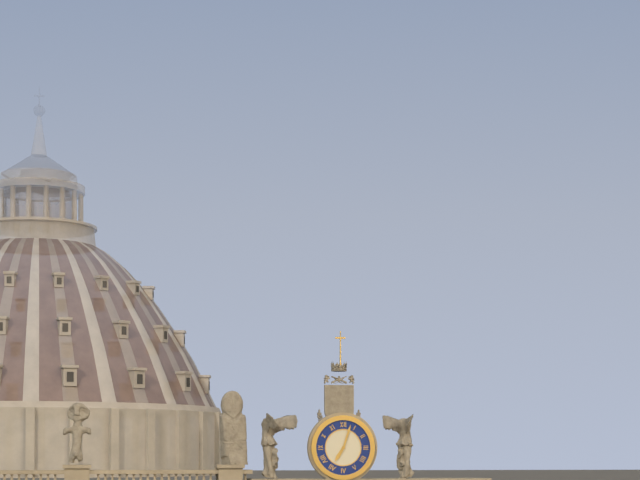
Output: h=7 m=3
